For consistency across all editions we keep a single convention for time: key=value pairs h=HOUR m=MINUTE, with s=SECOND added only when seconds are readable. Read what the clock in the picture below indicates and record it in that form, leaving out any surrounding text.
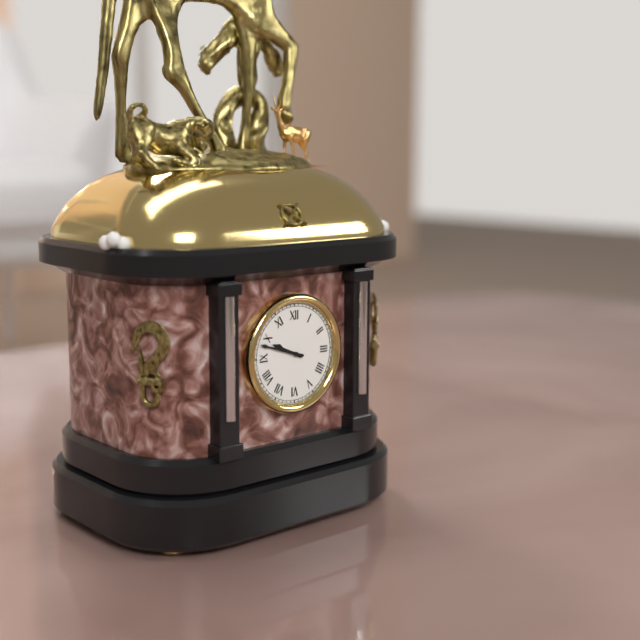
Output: h=9 m=48
